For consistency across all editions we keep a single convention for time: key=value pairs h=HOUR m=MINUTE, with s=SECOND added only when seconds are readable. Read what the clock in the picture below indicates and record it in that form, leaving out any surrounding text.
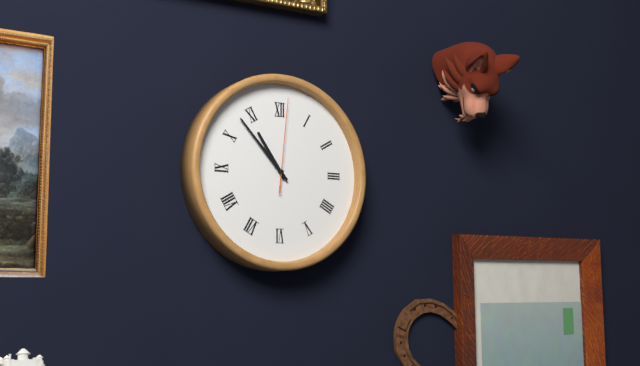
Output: h=10 m=53 s=1
